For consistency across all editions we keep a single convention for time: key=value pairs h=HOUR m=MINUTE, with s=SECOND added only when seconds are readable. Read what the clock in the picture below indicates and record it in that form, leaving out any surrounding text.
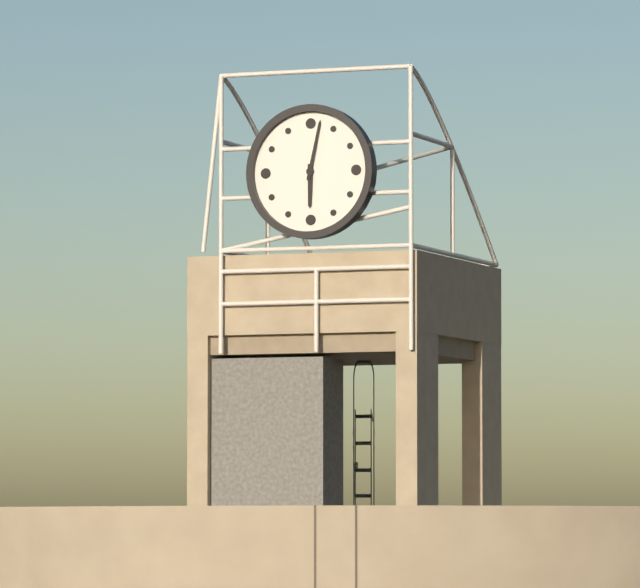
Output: h=6 m=2
